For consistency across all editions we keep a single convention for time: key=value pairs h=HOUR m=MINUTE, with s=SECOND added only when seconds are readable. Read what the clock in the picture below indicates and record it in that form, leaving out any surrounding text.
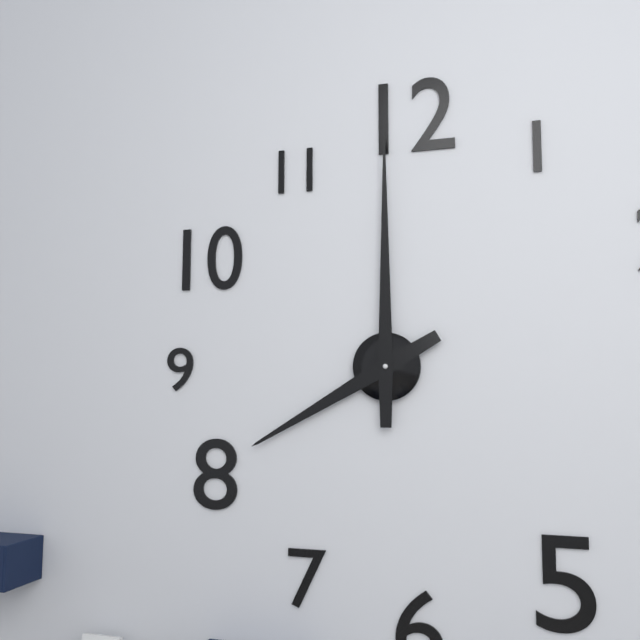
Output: h=8 m=0
